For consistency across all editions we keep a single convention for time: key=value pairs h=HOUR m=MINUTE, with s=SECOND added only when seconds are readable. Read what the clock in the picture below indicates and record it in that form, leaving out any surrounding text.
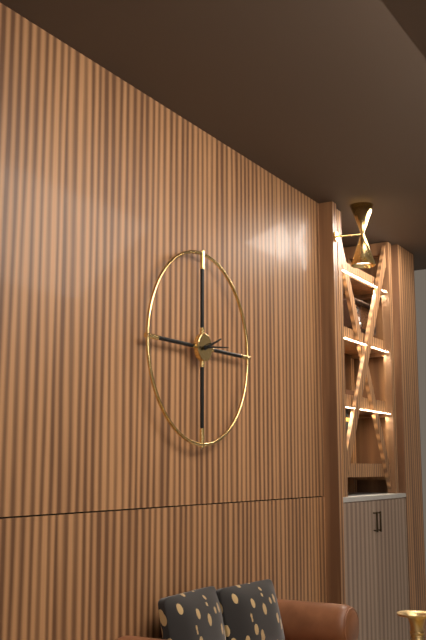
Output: h=2 m=14
